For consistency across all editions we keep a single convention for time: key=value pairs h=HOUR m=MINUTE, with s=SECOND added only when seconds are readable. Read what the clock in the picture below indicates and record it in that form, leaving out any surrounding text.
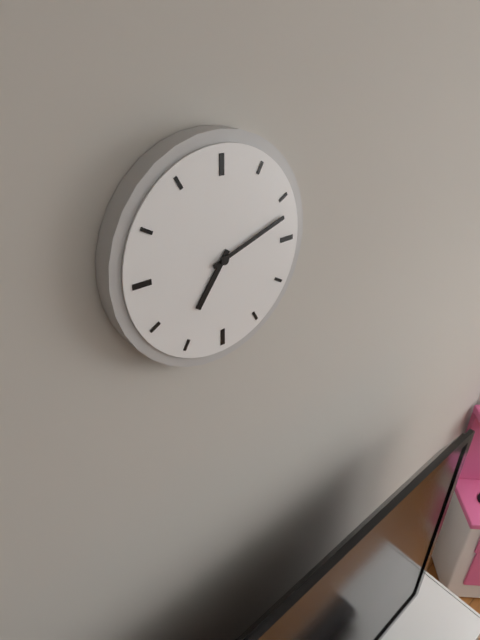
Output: h=7 m=12
